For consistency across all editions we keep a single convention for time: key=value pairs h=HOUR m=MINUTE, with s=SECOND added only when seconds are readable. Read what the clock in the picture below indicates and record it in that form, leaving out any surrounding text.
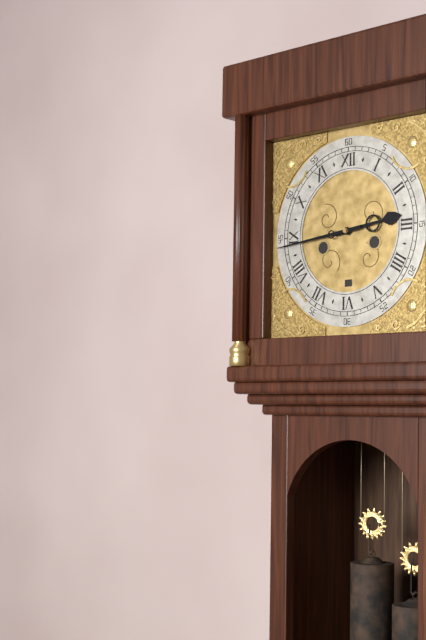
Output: h=2 m=44
